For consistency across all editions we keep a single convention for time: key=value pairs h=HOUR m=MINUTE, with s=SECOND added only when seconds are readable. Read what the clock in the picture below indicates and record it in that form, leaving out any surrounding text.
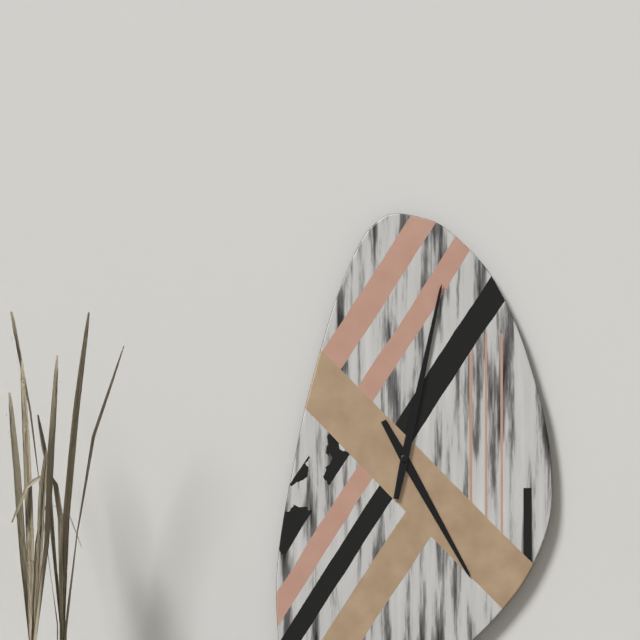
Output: h=5 m=2
